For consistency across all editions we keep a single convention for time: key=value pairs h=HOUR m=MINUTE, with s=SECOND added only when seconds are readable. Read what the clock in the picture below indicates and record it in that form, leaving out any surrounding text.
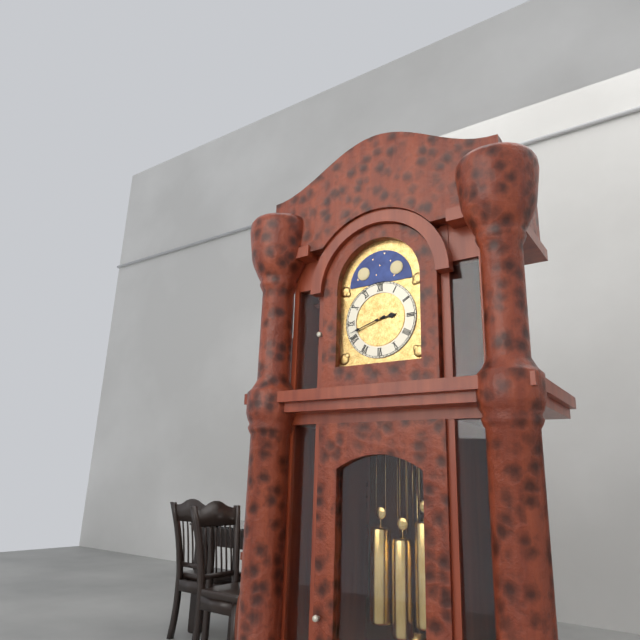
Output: h=2 m=42
